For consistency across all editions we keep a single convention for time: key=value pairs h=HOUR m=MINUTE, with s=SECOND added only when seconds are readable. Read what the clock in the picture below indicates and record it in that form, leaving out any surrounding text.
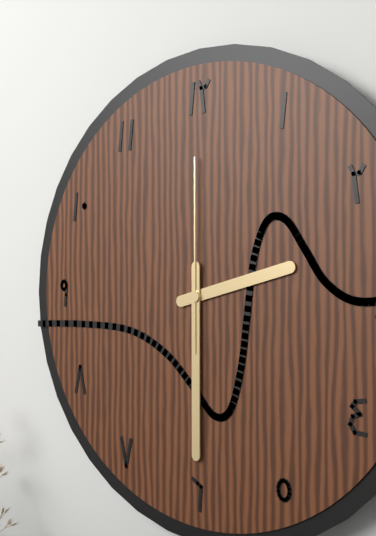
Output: h=2 m=30 s=0
